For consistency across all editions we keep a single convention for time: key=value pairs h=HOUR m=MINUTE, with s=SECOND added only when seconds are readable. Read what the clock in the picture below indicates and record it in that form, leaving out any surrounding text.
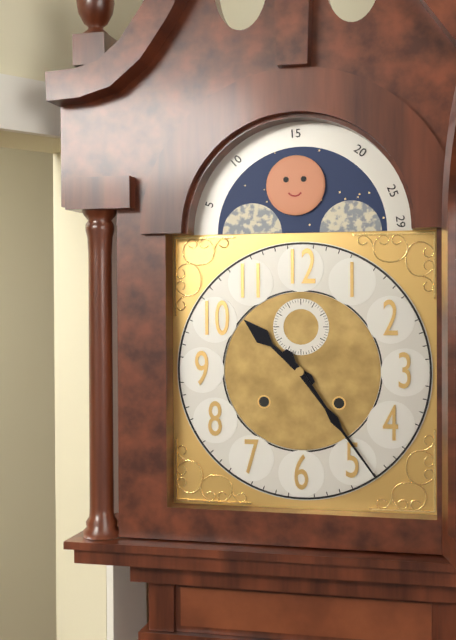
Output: h=10 m=24
